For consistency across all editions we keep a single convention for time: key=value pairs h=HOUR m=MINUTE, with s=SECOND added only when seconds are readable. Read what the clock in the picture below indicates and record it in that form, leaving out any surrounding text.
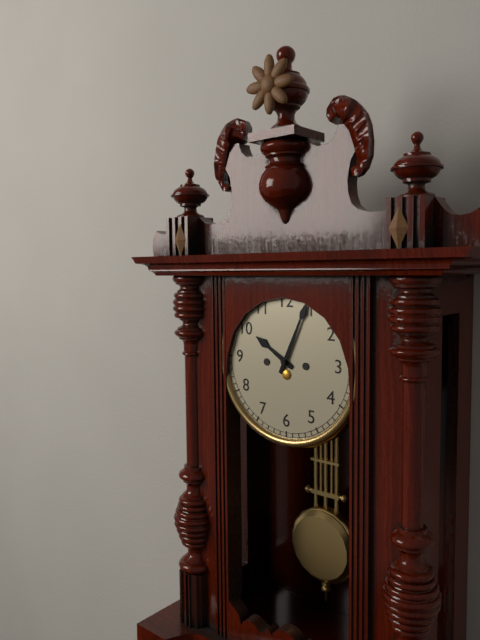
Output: h=10 m=4
